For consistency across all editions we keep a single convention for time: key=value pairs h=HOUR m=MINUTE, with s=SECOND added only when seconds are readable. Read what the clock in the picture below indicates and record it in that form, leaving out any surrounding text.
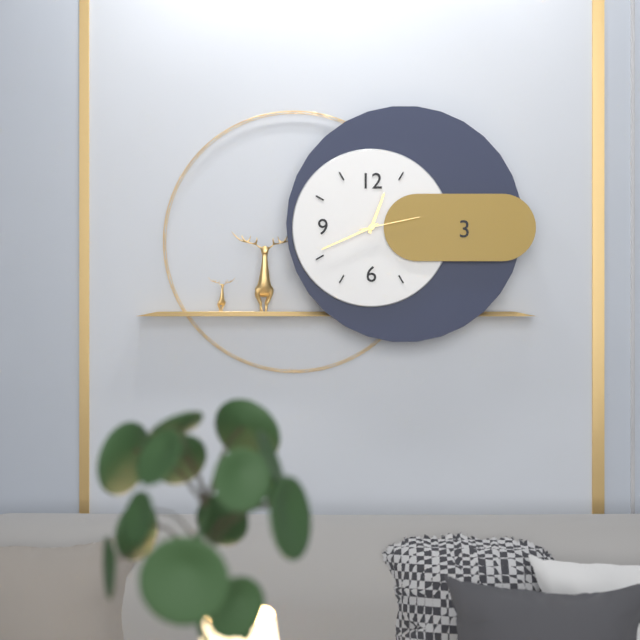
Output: h=12 m=41 s=13
